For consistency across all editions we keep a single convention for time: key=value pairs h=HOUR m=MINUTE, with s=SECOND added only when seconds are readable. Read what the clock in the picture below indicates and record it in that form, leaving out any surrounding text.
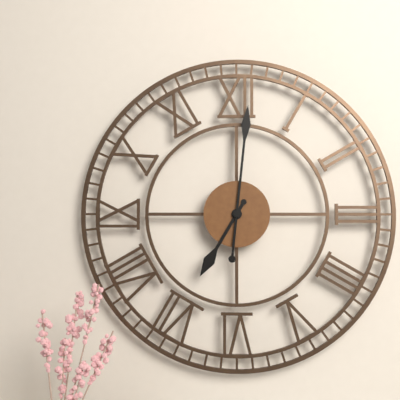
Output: h=7 m=1
